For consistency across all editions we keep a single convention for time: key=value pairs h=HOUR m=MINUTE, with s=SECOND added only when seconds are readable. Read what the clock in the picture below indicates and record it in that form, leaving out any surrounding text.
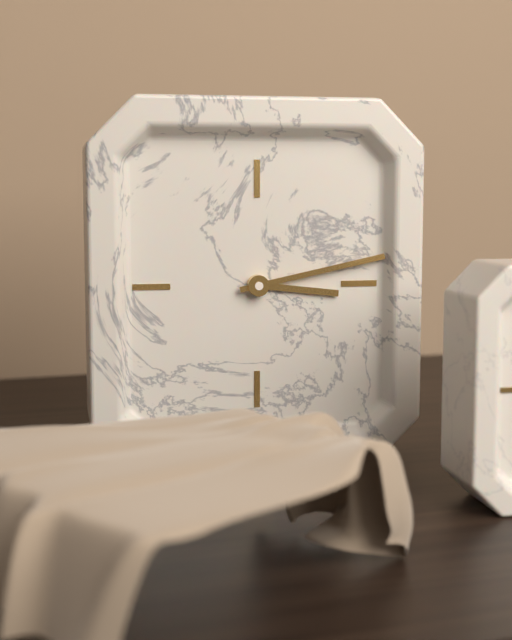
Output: h=3 m=13
